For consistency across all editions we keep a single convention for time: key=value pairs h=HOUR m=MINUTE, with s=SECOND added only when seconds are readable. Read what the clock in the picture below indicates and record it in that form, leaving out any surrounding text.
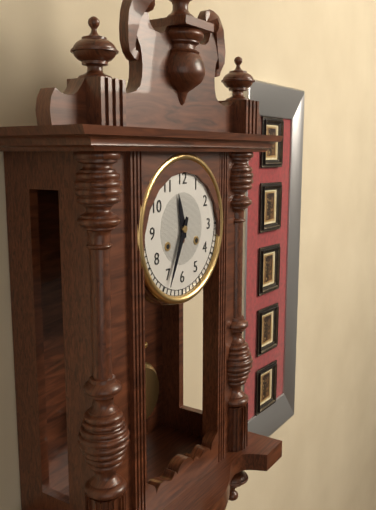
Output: h=11 m=34
